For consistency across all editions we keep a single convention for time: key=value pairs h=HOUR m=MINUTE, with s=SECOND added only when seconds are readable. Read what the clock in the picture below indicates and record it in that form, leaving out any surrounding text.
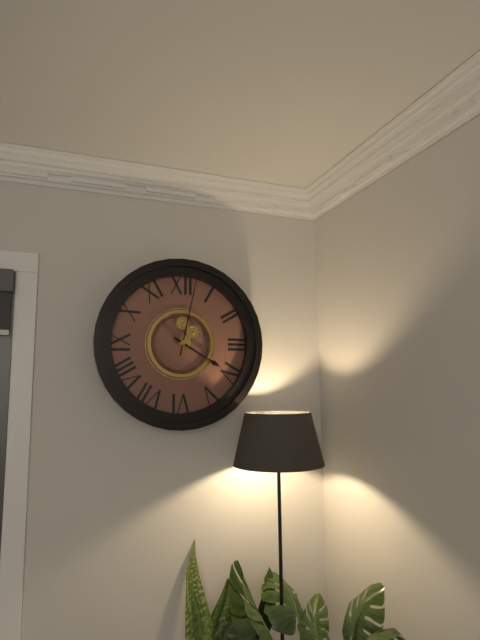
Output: h=4 m=2
